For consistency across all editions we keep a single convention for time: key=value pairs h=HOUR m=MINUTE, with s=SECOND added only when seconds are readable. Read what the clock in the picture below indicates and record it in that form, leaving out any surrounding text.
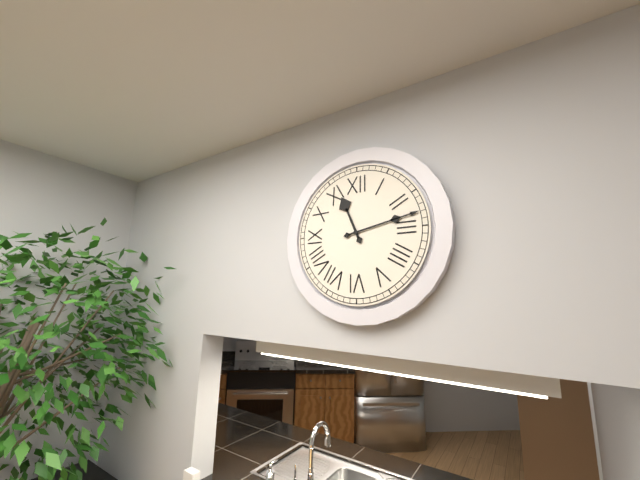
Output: h=11 m=13
